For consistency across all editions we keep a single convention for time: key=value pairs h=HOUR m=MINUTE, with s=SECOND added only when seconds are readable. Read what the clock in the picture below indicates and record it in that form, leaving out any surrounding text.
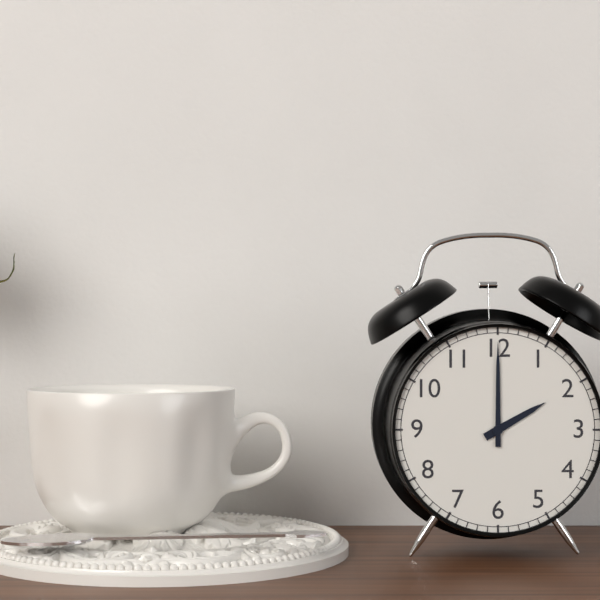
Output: h=2 m=0
